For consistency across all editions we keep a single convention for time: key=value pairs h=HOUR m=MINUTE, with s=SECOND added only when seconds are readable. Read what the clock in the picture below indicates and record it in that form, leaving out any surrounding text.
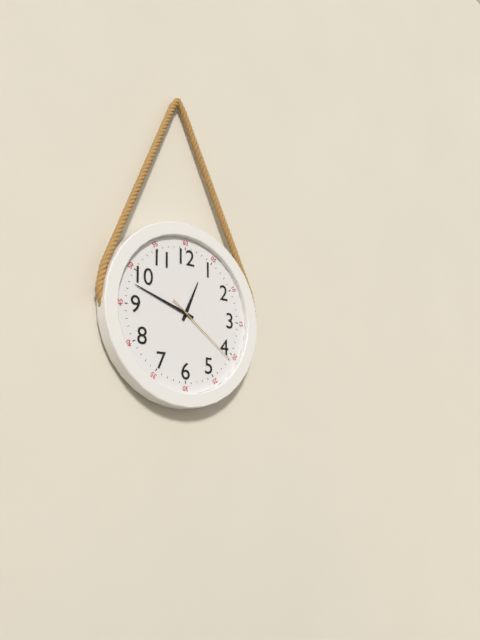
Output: h=12 m=48 s=21
